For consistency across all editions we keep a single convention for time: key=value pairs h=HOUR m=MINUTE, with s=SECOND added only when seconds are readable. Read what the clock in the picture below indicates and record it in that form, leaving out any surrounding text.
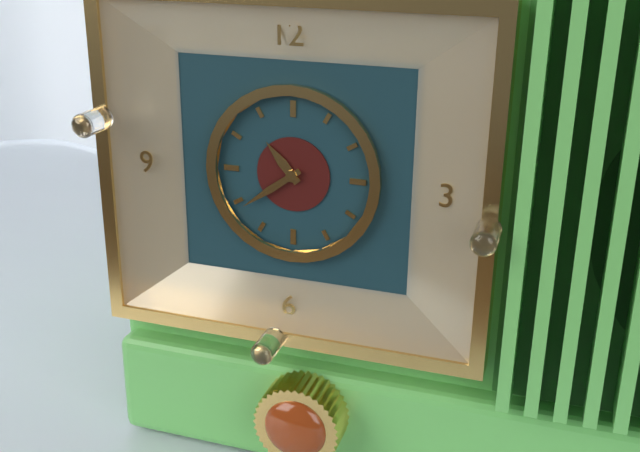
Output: h=10 m=39
